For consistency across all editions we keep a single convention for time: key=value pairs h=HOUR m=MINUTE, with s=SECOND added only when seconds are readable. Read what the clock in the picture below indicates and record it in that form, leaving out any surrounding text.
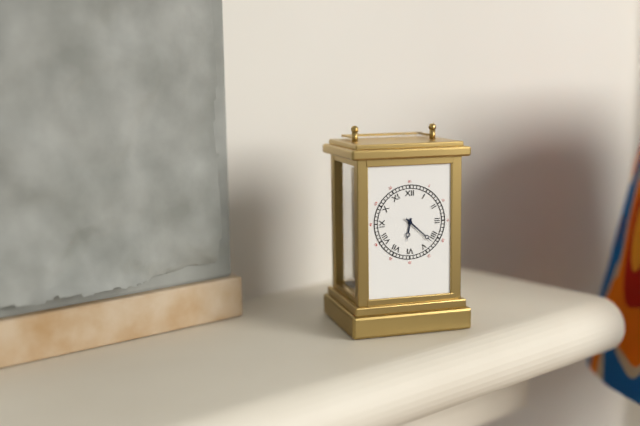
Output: h=6 m=22
